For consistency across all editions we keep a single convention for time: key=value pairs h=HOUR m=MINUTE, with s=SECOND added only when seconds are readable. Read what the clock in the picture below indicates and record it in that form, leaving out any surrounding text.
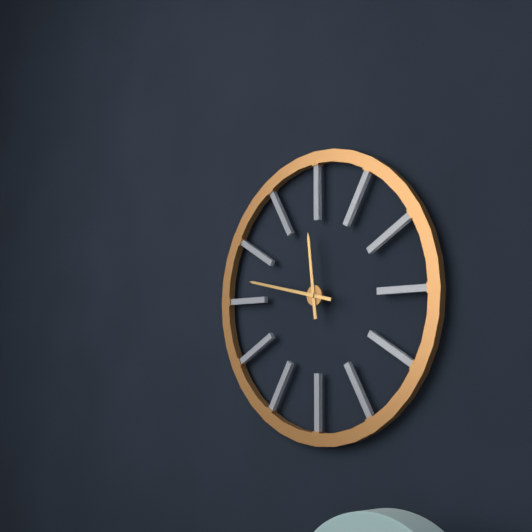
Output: h=11 m=47
